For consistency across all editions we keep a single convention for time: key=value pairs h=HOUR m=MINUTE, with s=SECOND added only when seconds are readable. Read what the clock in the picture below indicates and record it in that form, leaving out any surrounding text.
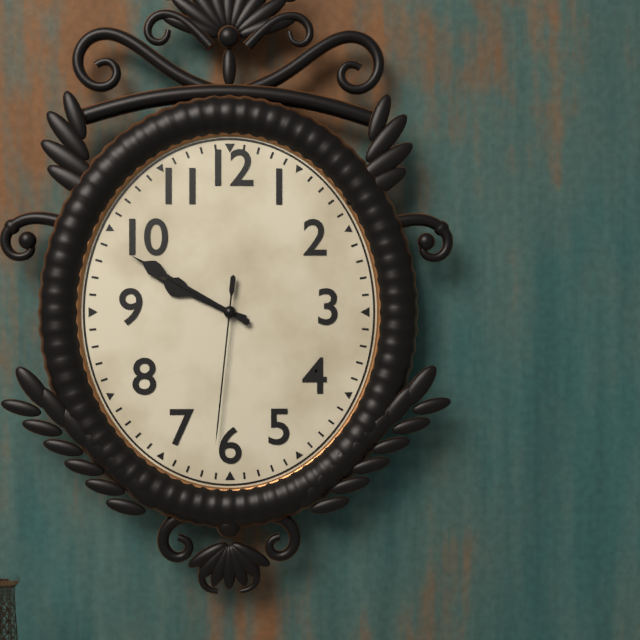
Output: h=9 m=50 s=31
